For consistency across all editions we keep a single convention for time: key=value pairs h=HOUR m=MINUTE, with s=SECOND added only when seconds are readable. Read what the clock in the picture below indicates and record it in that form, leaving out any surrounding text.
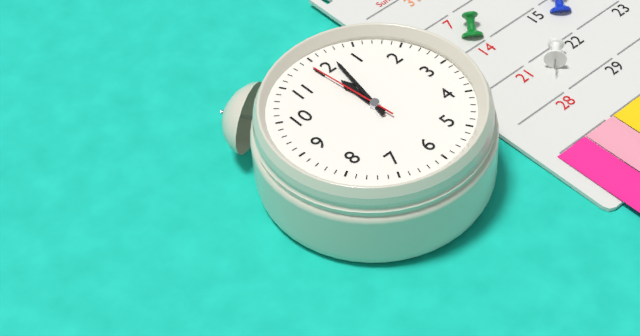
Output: h=12 m=2 s=59
